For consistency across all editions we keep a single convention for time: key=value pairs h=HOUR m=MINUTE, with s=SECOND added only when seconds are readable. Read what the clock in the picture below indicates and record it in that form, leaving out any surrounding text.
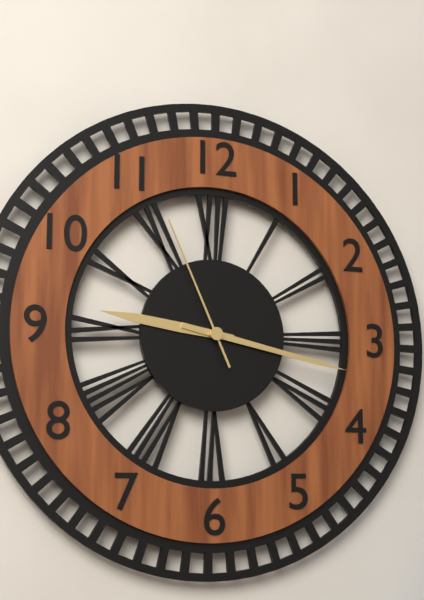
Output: h=9 m=17 s=56
